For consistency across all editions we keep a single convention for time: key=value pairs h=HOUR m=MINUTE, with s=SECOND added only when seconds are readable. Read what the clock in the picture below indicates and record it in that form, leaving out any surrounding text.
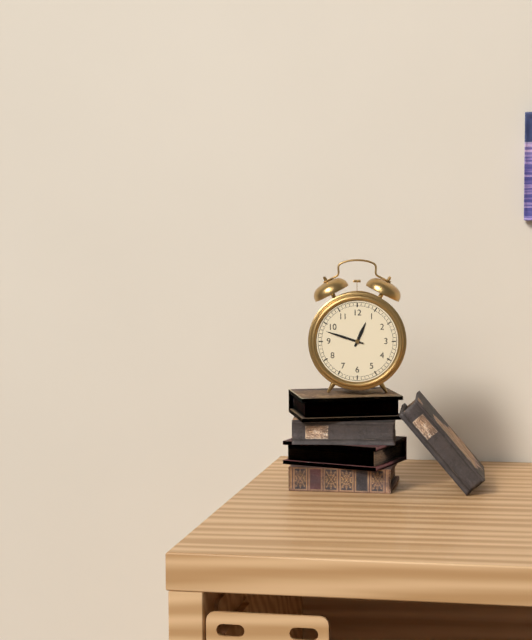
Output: h=12 m=48
